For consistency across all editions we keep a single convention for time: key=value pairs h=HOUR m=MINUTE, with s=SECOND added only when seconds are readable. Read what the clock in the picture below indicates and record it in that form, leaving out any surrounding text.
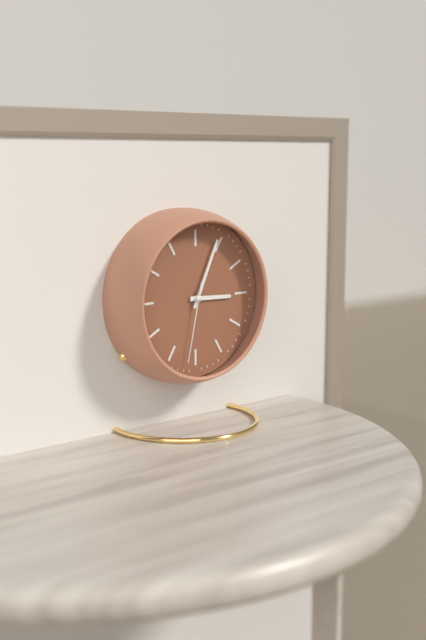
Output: h=3 m=4 s=32
